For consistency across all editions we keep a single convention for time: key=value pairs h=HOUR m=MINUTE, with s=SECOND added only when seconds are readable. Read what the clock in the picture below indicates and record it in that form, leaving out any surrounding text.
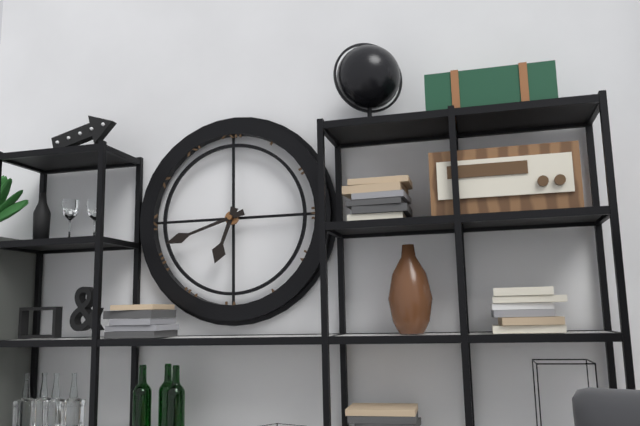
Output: h=6 m=42
